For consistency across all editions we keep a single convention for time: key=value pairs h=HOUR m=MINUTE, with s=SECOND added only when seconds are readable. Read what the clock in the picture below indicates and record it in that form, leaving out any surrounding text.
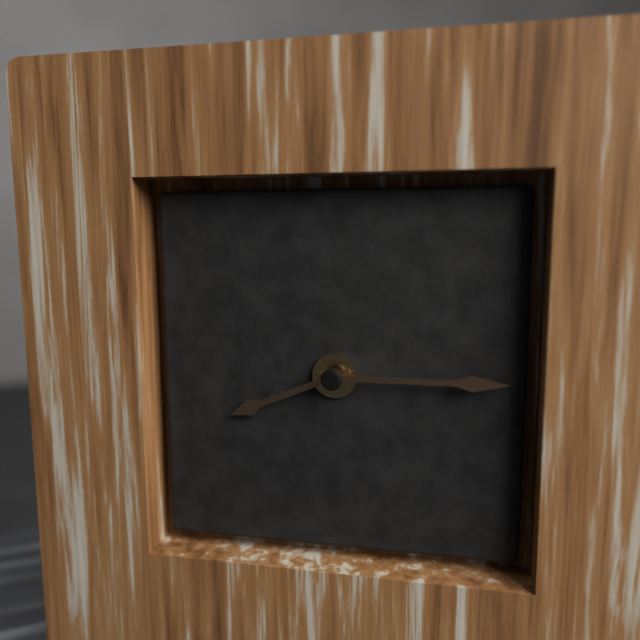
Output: h=8 m=15
